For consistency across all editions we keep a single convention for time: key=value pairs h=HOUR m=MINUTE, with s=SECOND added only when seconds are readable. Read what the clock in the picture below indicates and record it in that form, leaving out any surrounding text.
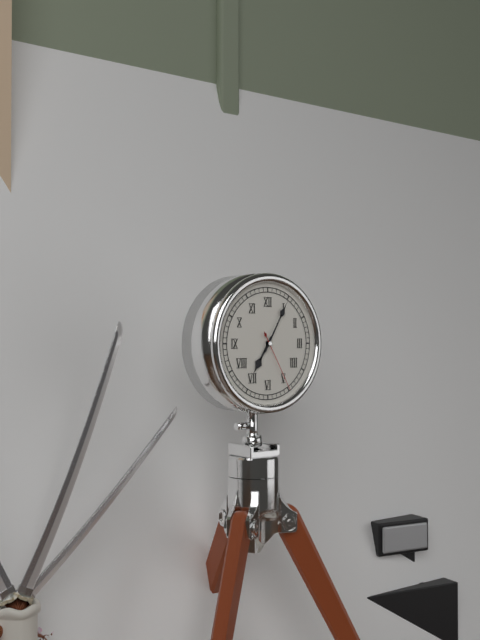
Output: h=7 m=5 s=25
